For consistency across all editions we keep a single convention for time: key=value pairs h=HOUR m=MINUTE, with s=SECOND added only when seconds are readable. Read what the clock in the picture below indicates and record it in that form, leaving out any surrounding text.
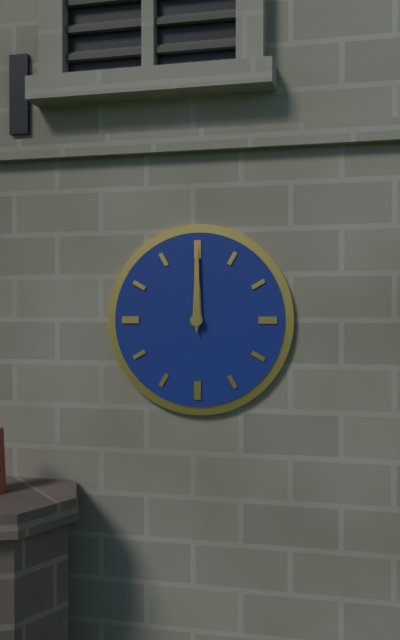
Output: h=12 m=0
